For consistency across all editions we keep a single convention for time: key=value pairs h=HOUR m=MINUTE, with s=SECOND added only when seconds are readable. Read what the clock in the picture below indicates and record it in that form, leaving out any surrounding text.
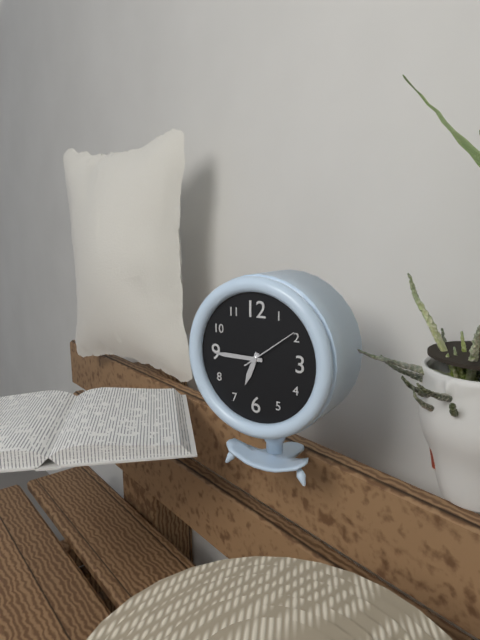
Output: h=6 m=45 s=9
